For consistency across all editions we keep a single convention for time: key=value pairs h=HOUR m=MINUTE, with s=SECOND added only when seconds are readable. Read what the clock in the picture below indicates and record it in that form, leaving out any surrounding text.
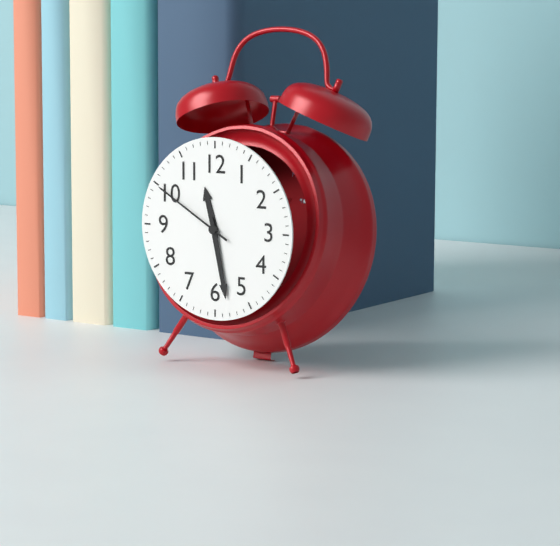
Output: h=11 m=28 s=50
